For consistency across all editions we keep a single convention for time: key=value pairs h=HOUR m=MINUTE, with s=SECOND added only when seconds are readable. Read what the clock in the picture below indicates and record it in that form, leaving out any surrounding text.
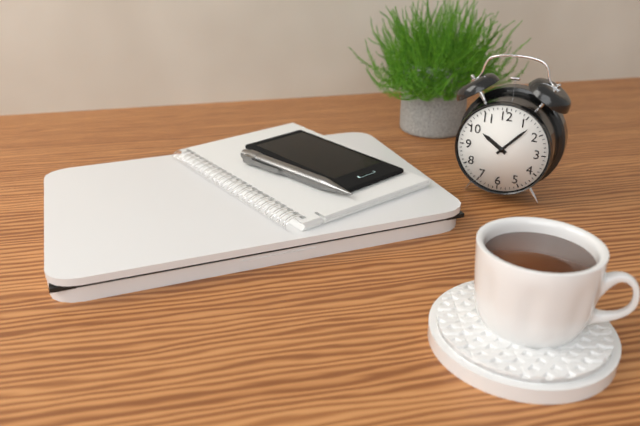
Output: h=10 m=7
